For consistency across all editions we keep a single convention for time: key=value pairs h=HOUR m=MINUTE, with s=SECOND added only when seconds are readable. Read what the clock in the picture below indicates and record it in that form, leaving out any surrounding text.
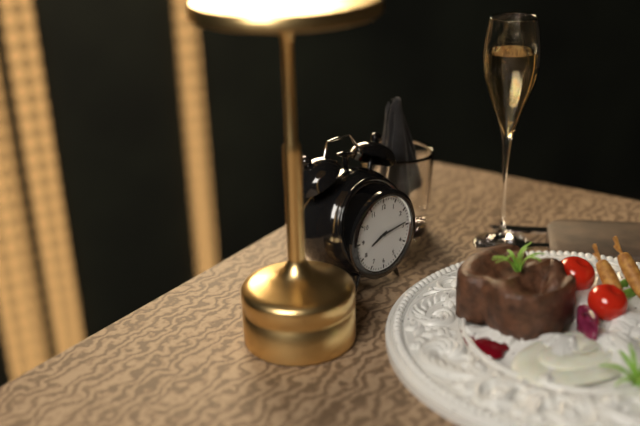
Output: h=8 m=14
